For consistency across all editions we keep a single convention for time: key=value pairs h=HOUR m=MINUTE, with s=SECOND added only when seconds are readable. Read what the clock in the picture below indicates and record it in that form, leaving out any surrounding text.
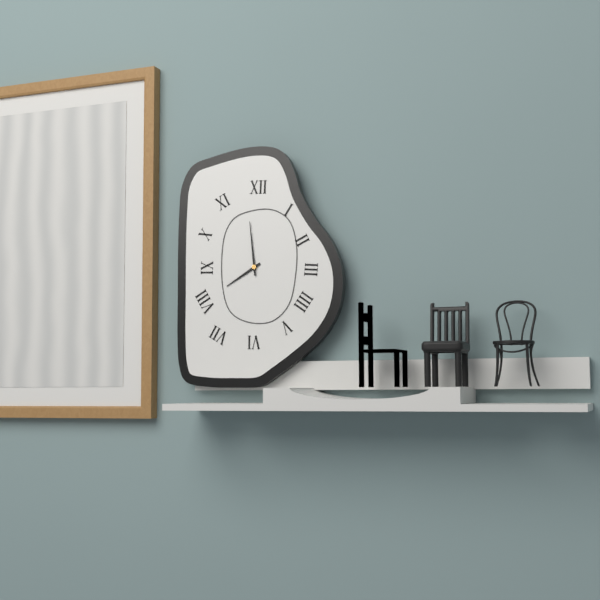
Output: h=7 m=59
